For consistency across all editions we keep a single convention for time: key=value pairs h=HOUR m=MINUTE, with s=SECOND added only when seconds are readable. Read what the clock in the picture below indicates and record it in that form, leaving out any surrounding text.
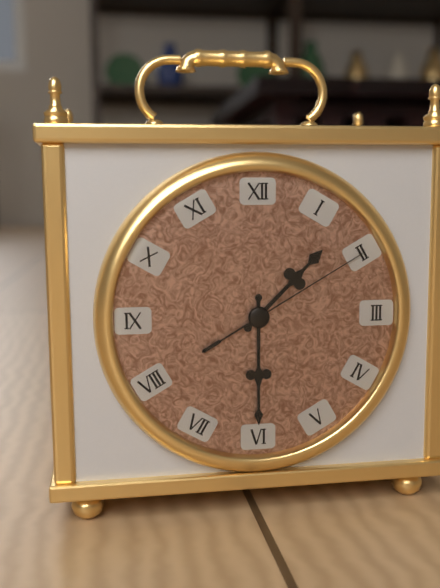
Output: h=1 m=30 s=10
